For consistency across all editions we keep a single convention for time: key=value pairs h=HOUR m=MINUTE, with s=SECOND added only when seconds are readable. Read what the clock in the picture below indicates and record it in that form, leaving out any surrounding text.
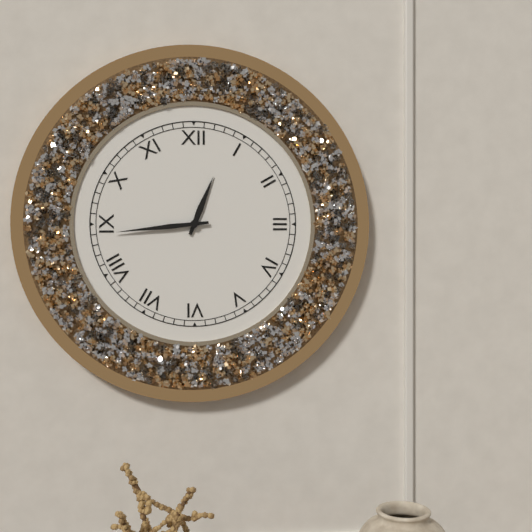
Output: h=12 m=44
